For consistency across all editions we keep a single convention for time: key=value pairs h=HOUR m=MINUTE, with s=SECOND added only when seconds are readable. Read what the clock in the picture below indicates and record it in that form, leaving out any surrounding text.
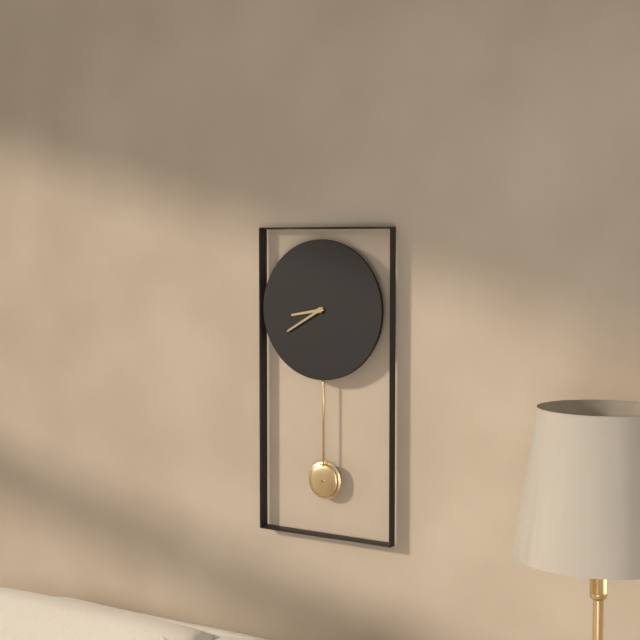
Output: h=8 m=40
